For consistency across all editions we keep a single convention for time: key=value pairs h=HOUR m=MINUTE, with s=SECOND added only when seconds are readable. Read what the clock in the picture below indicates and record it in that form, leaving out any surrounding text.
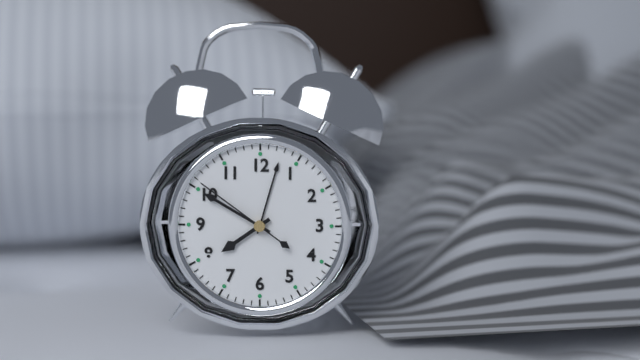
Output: h=7 m=50 s=51
